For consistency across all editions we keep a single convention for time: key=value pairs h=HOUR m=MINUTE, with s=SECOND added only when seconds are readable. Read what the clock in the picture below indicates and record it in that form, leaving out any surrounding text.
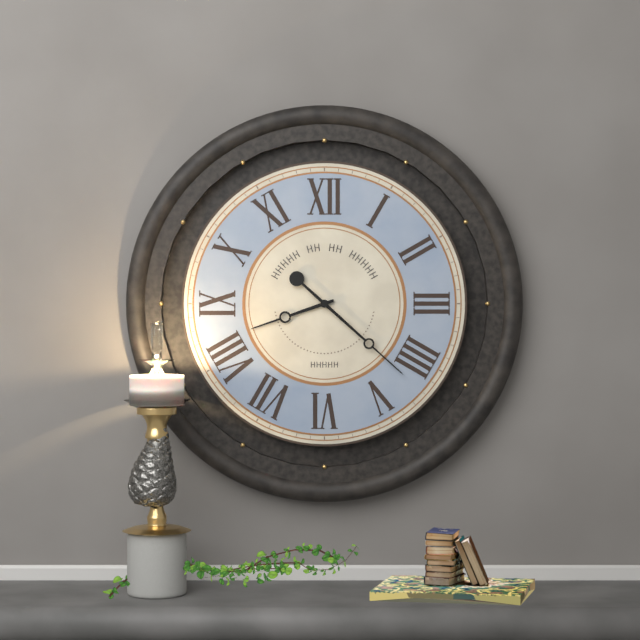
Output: h=8 m=22
